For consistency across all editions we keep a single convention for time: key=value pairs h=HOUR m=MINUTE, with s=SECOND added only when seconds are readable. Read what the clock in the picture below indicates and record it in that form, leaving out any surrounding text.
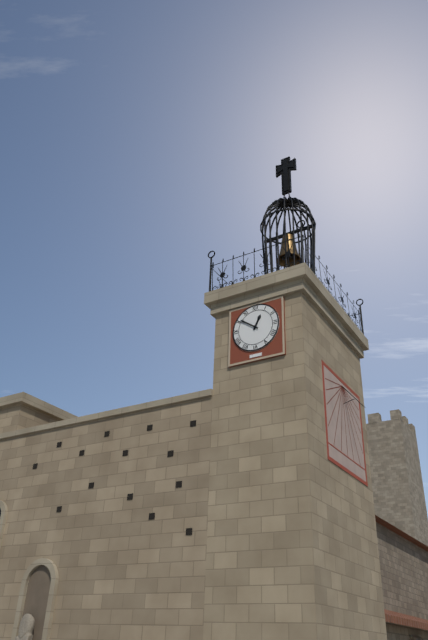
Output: h=12 m=51
